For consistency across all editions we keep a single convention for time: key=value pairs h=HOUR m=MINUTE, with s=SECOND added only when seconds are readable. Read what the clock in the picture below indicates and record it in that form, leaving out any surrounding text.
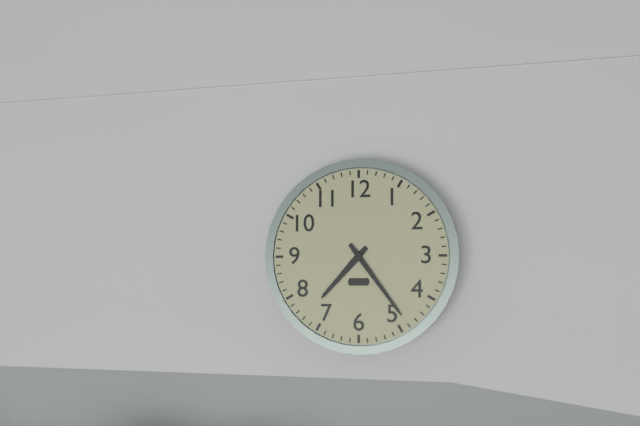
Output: h=7 m=24
